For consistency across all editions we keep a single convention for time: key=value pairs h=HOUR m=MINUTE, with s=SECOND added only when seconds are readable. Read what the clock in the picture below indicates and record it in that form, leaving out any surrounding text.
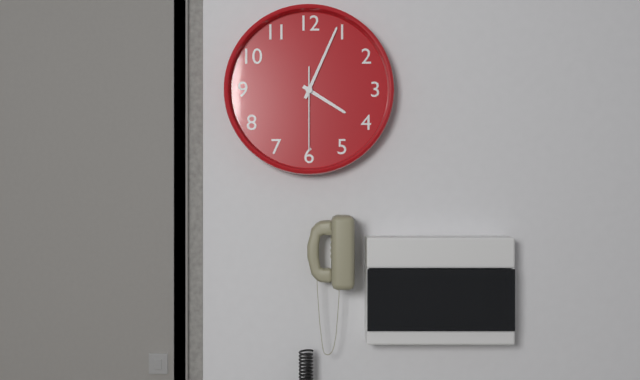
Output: h=4 m=4 s=30
